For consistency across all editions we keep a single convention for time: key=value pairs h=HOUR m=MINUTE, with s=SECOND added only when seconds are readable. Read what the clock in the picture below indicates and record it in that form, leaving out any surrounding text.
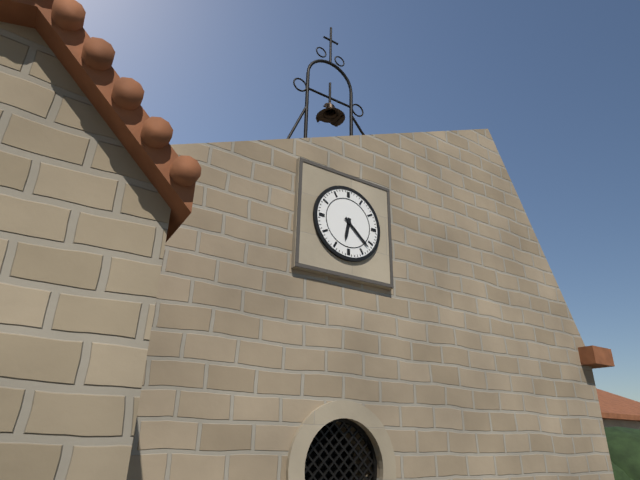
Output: h=6 m=22
